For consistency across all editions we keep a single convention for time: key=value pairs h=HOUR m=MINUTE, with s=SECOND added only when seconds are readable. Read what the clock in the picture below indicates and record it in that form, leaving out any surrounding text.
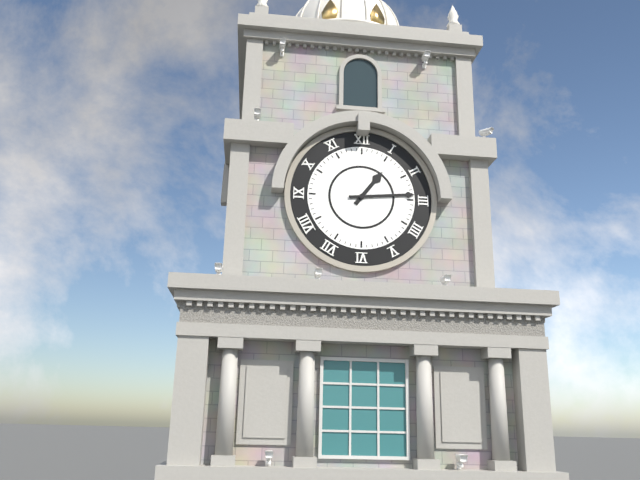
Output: h=1 m=14
